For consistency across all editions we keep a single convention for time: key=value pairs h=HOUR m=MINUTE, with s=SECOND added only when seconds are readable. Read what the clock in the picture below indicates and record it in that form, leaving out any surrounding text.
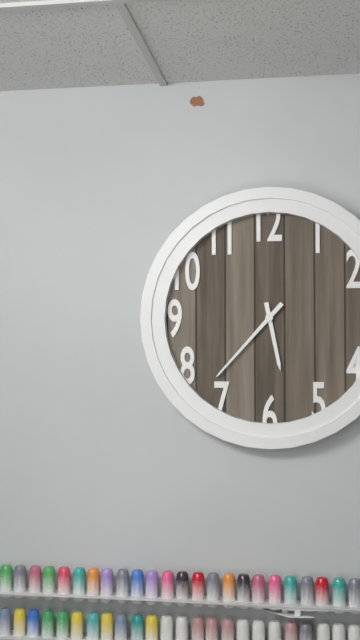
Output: h=5 m=37
